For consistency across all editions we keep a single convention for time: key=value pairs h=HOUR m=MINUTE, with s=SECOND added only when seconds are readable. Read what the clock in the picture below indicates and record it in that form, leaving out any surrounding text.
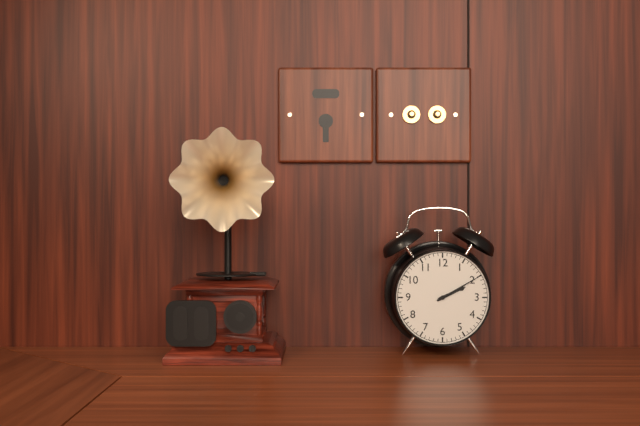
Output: h=2 m=10
